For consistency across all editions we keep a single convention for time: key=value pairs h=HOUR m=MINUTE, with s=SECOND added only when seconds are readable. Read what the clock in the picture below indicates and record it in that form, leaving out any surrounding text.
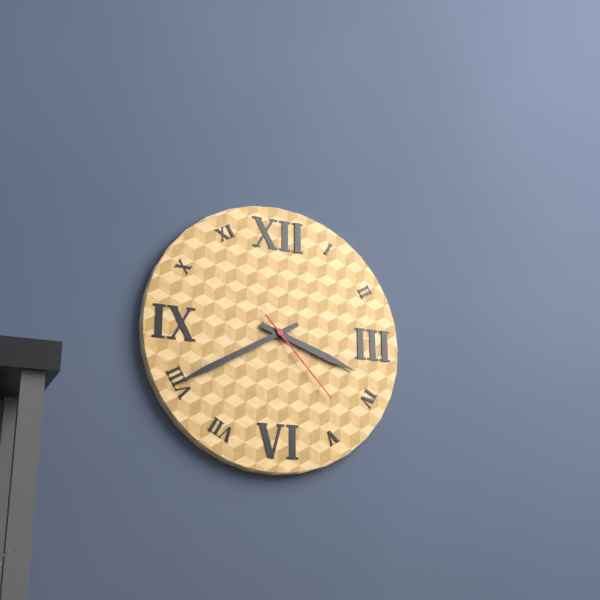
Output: h=3 m=40 s=23
